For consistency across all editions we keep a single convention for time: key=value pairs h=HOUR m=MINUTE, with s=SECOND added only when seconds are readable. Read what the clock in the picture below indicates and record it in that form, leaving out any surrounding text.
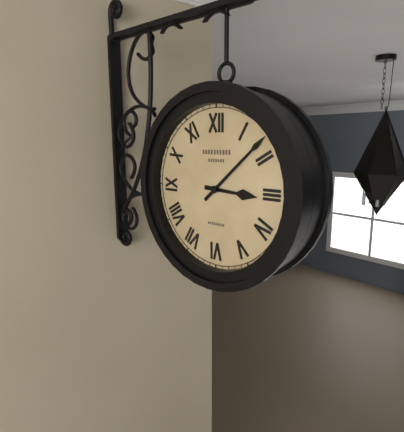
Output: h=3 m=8
